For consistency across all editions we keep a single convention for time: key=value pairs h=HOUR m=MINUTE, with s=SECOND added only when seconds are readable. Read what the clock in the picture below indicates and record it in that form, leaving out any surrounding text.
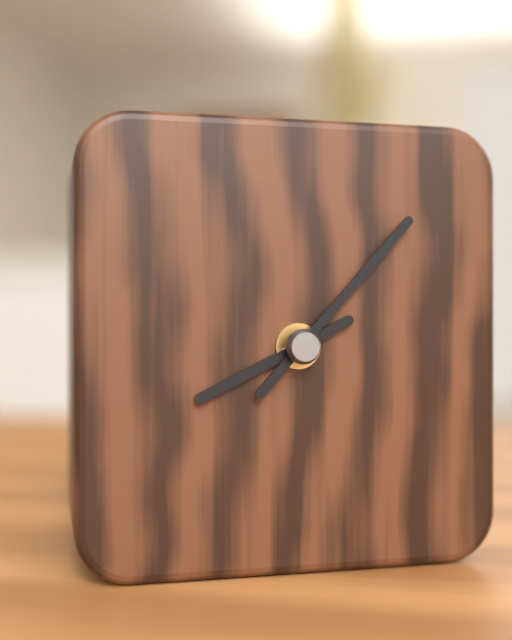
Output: h=8 m=7
